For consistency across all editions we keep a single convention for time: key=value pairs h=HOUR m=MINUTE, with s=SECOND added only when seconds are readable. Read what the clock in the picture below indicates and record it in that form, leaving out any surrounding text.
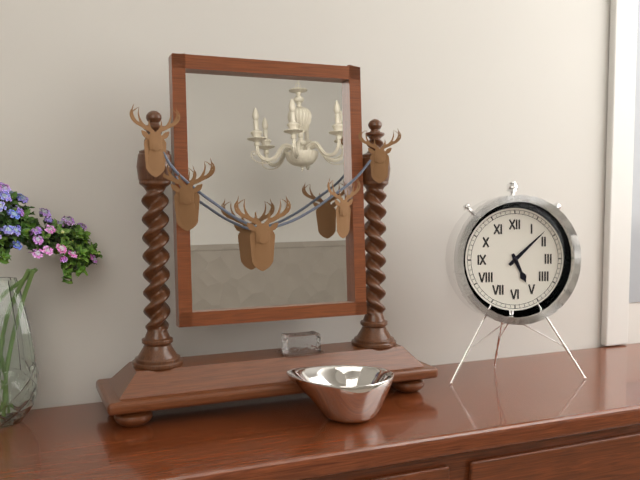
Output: h=5 m=8
